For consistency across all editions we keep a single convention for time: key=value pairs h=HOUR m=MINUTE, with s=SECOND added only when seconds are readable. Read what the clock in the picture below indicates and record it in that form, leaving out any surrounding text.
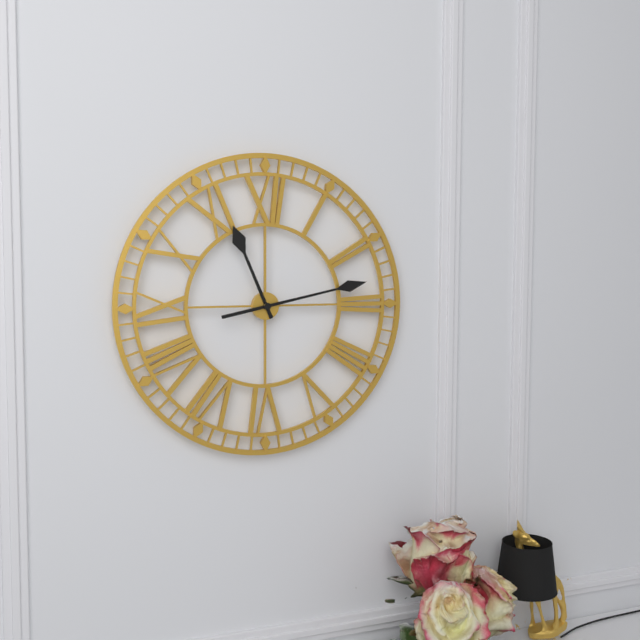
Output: h=11 m=13
